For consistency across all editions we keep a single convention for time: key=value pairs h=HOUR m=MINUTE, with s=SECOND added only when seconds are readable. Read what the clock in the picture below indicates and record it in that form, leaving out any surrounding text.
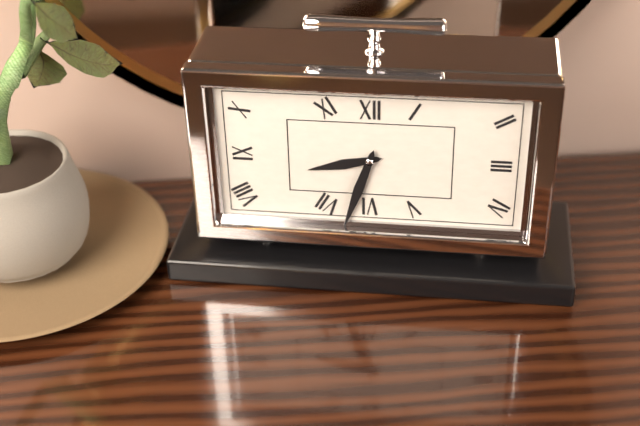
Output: h=8 m=33
